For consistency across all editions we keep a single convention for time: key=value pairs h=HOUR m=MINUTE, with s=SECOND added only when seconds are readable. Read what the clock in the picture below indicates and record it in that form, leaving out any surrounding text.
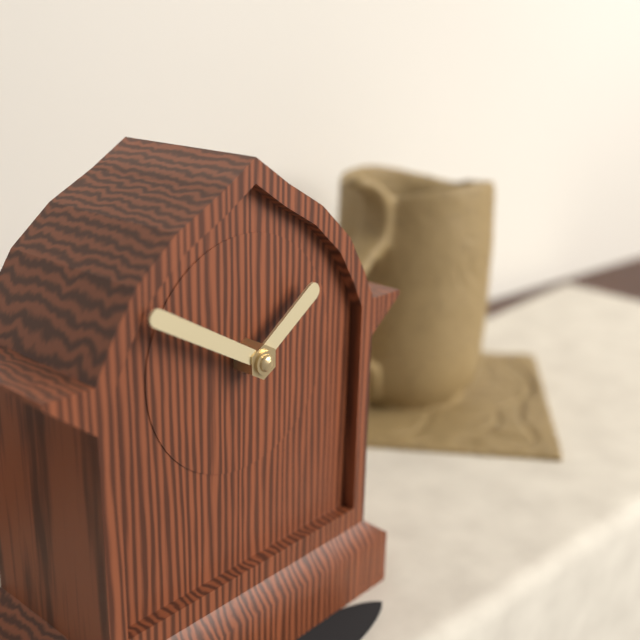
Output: h=1 m=50
